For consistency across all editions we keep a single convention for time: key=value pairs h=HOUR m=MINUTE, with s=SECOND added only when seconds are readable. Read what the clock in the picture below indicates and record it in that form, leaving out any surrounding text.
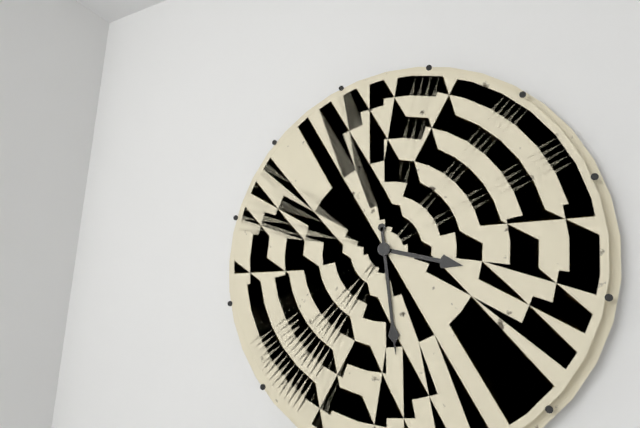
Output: h=3 m=29
